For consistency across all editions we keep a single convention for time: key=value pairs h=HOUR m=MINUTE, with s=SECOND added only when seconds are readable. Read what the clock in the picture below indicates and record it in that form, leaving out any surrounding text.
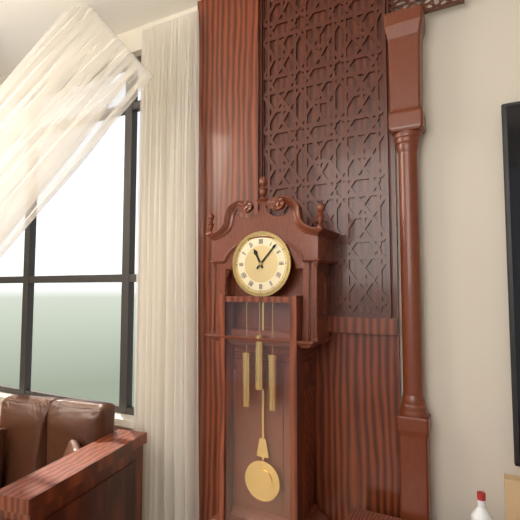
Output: h=11 m=7
